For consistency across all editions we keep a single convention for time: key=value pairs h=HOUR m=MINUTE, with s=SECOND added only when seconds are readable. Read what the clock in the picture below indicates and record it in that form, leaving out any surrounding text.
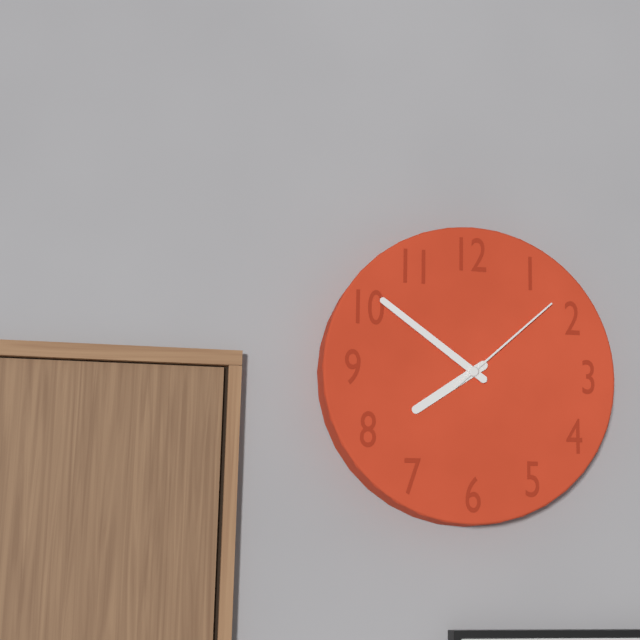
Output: h=7 m=51 s=8
